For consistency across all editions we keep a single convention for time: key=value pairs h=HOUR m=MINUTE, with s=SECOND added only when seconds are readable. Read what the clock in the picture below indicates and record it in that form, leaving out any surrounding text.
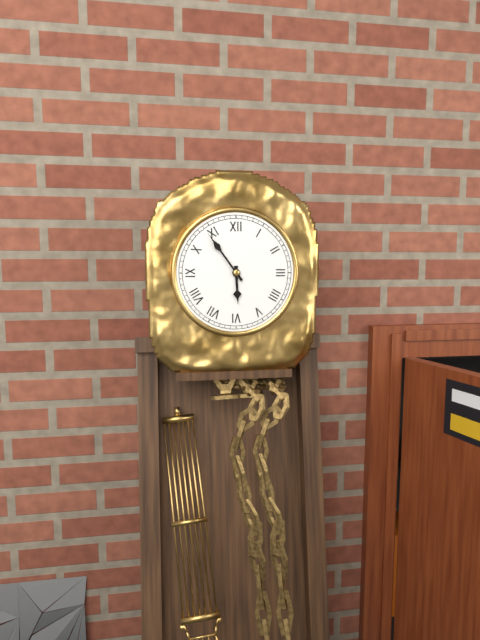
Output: h=5 m=54
